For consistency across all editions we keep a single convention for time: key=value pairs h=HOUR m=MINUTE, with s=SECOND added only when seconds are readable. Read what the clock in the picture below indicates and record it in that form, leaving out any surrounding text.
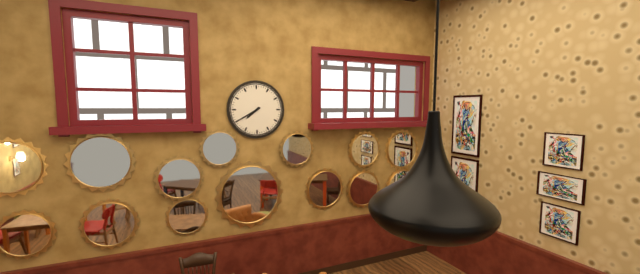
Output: h=7 m=40
